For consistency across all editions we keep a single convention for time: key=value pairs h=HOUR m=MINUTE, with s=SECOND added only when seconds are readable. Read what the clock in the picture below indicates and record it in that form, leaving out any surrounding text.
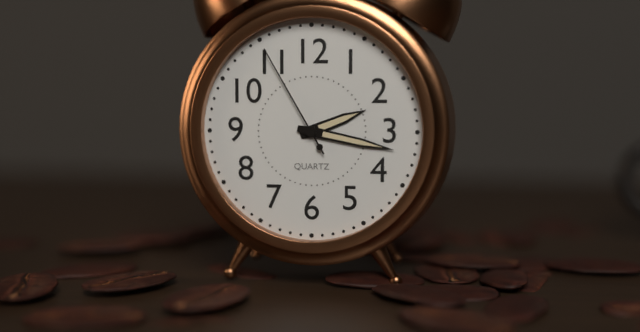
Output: h=2 m=17 s=55
